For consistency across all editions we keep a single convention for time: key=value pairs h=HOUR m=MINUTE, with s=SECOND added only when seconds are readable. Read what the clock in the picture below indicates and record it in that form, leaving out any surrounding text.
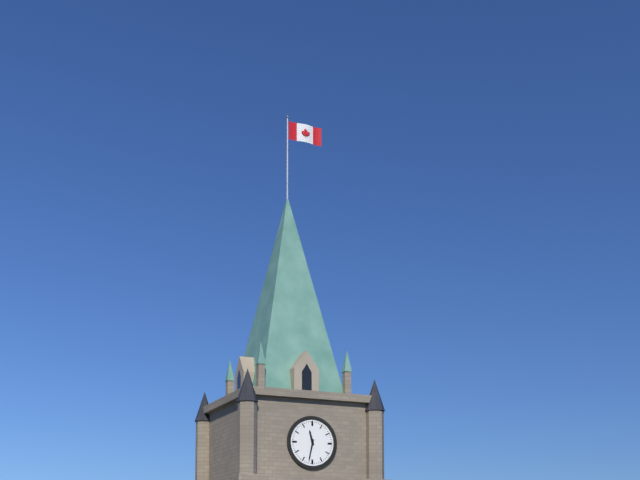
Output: h=11 m=32
